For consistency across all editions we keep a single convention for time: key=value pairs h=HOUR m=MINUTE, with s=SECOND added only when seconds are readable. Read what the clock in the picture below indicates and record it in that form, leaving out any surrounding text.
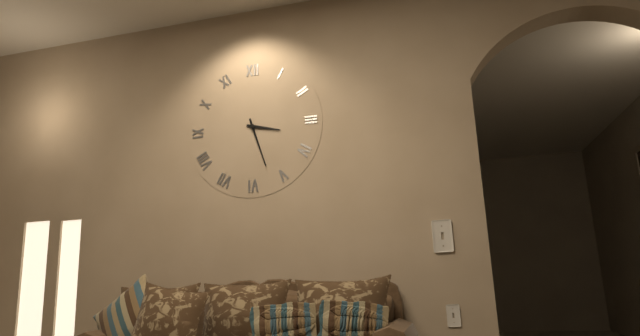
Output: h=3 m=27
